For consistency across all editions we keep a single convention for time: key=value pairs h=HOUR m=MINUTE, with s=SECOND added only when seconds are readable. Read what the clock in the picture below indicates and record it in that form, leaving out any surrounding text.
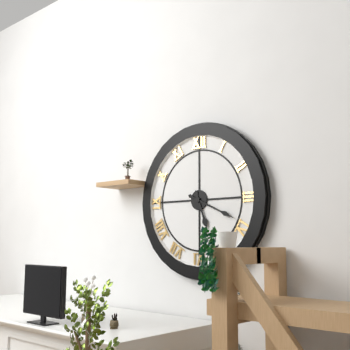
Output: h=5 m=19
